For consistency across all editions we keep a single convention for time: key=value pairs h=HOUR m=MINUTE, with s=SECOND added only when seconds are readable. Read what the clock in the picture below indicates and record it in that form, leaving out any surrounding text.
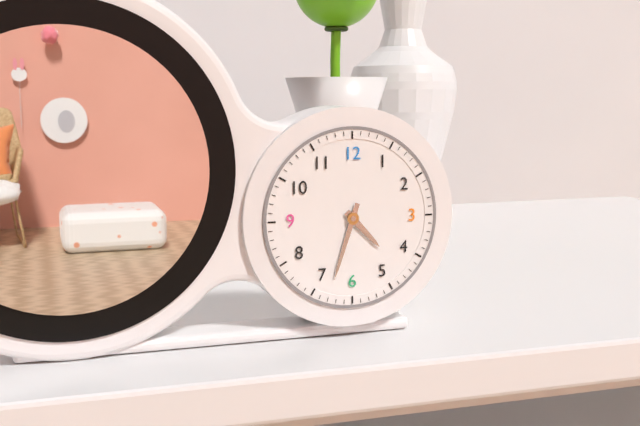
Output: h=4 m=33
